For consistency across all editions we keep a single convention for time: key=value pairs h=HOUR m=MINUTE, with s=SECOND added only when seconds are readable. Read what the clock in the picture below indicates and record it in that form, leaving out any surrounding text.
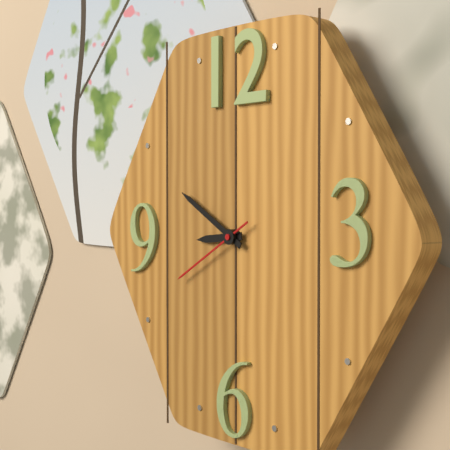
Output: h=8 m=50 s=40
